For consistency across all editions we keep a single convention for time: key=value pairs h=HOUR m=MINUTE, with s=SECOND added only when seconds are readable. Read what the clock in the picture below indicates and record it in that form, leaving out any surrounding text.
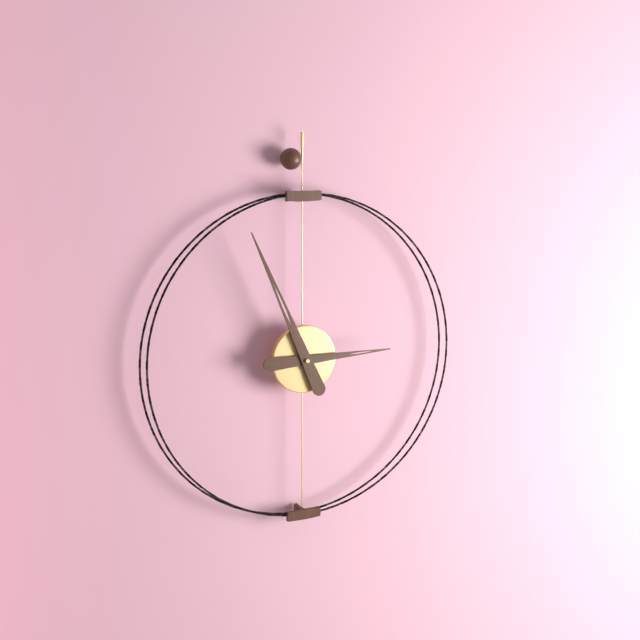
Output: h=2 m=56
